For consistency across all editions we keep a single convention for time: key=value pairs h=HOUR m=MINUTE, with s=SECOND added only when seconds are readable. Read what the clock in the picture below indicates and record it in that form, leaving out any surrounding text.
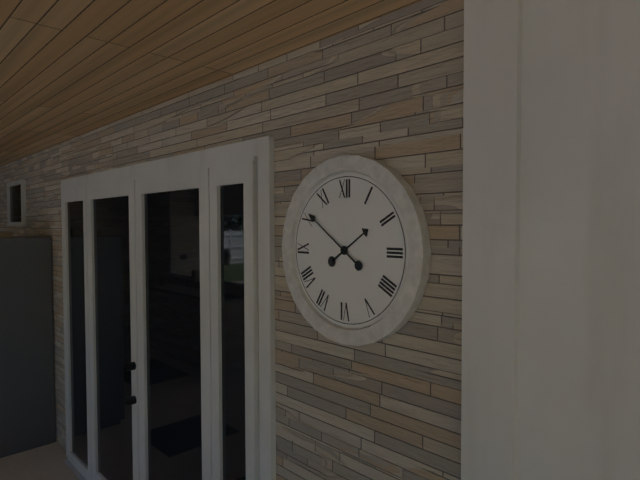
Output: h=1 m=51
